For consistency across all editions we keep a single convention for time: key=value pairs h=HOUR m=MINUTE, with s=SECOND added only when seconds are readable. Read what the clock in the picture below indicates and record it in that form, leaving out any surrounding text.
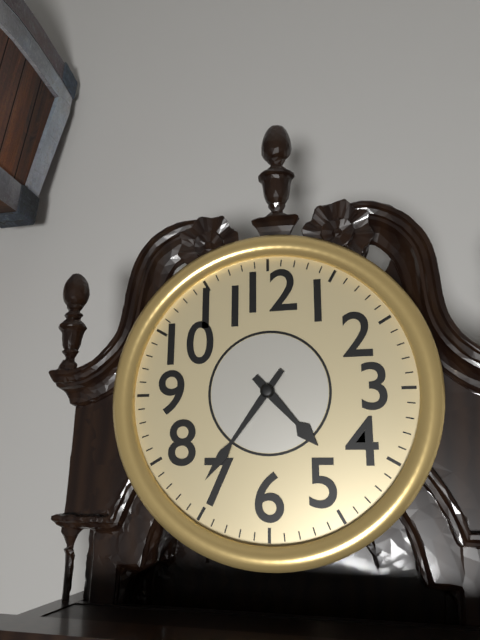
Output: h=4 m=36
